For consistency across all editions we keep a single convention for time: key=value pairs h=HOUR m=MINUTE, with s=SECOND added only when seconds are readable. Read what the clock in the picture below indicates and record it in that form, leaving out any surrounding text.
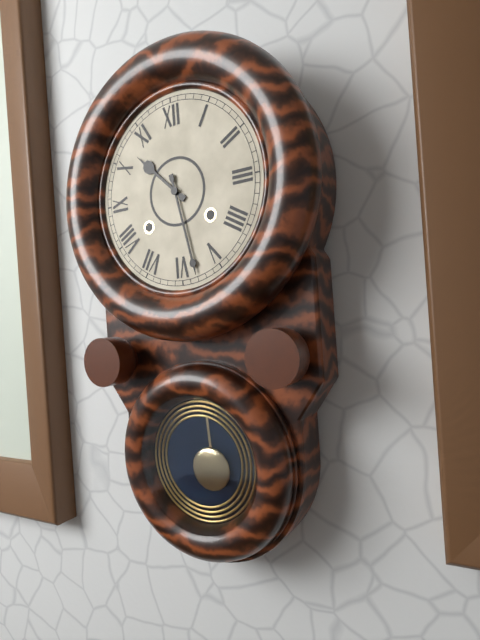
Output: h=10 m=28
